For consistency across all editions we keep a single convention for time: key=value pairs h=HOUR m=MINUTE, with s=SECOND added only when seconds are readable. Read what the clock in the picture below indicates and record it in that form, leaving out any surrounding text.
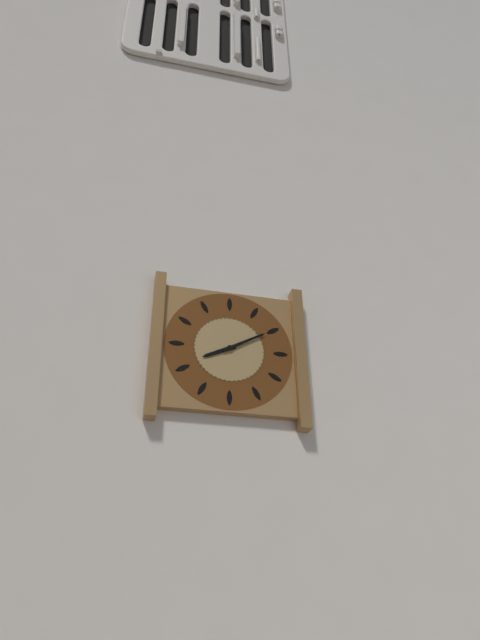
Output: h=8 m=10
